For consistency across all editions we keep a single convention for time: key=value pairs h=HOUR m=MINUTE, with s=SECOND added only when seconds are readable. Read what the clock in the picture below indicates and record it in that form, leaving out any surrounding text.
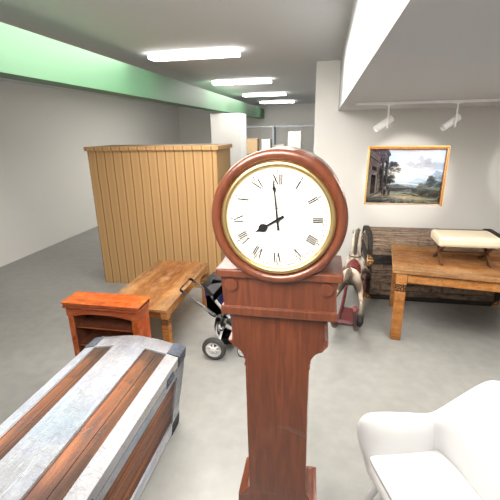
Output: h=7 m=59
